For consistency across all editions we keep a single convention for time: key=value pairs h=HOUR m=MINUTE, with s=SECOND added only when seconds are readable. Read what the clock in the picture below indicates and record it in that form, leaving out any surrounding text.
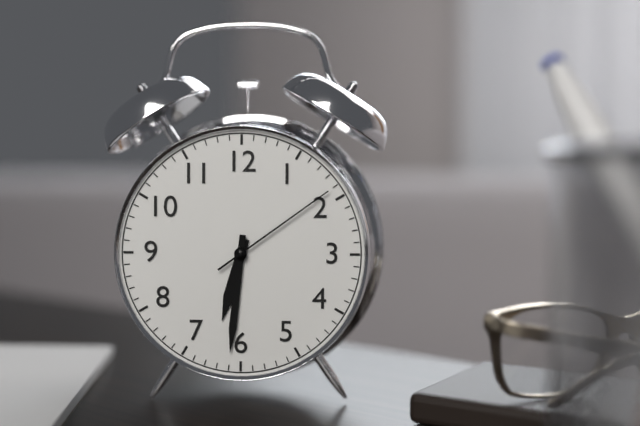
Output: h=6 m=31 s=9
